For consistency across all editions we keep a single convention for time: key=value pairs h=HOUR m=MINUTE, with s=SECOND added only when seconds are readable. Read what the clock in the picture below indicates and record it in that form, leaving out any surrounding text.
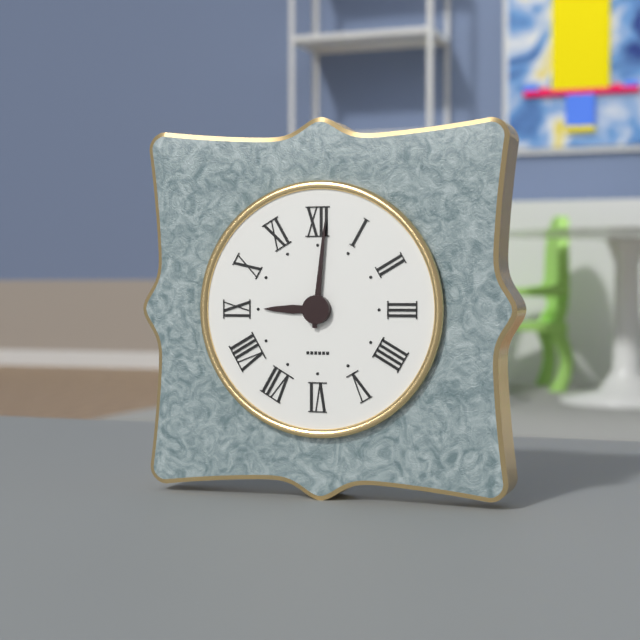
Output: h=9 m=1
